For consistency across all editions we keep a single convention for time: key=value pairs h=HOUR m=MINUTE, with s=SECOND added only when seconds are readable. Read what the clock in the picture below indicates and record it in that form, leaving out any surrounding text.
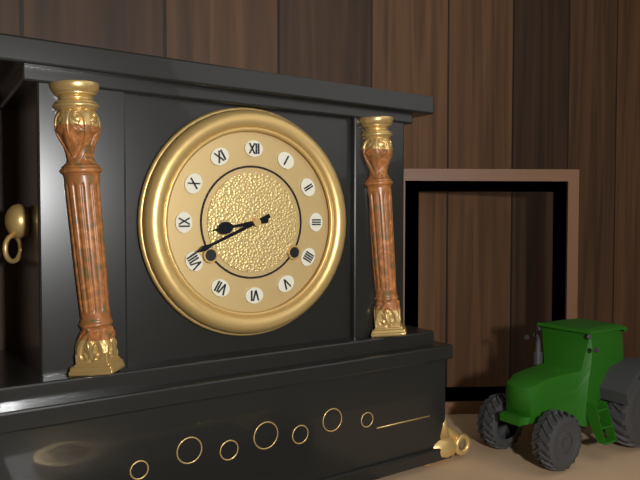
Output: h=8 m=41
